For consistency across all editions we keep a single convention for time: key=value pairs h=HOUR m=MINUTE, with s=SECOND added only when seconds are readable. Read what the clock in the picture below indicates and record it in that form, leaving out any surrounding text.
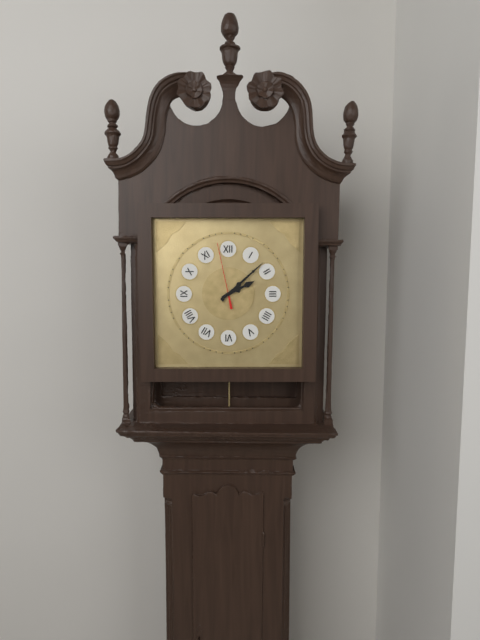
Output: h=2 m=8 s=58
